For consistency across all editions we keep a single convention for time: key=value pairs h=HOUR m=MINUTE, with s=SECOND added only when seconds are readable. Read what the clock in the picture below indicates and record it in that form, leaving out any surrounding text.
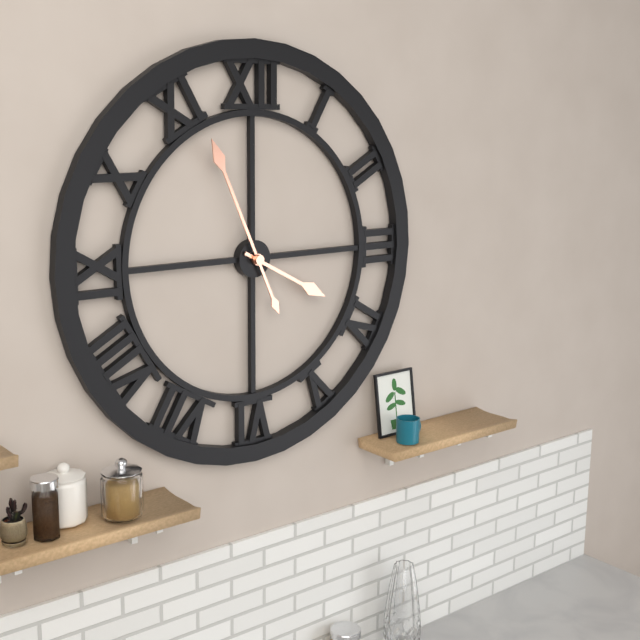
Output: h=3 m=56
